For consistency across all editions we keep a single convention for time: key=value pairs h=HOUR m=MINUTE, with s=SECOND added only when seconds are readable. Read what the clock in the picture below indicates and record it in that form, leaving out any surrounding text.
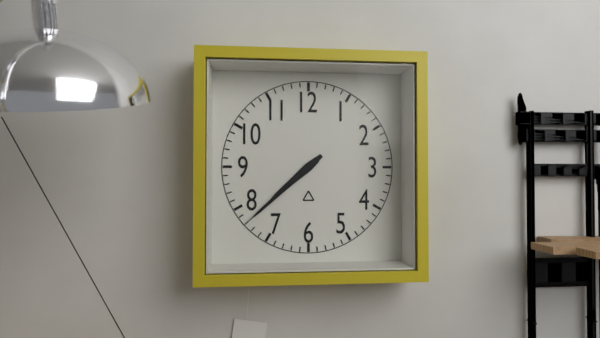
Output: h=7 m=38
